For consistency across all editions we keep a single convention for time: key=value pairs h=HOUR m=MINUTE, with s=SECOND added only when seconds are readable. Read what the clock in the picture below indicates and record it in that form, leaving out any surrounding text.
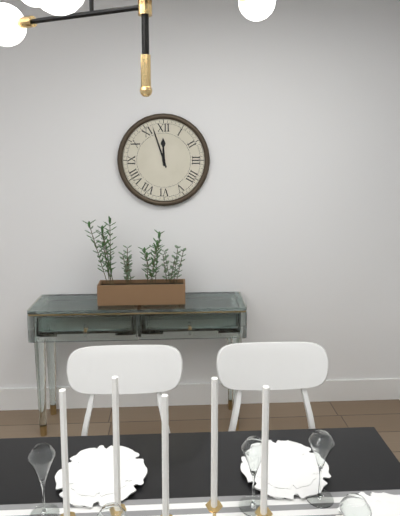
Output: h=11 m=57
